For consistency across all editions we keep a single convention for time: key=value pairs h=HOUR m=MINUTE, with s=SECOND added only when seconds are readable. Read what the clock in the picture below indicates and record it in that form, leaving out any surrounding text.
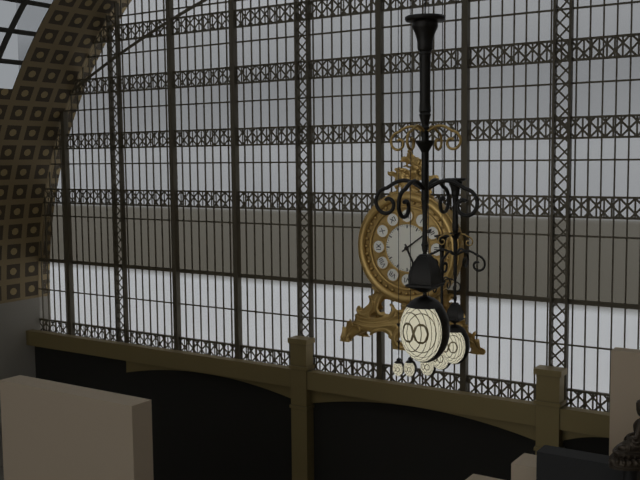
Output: h=5 m=9
